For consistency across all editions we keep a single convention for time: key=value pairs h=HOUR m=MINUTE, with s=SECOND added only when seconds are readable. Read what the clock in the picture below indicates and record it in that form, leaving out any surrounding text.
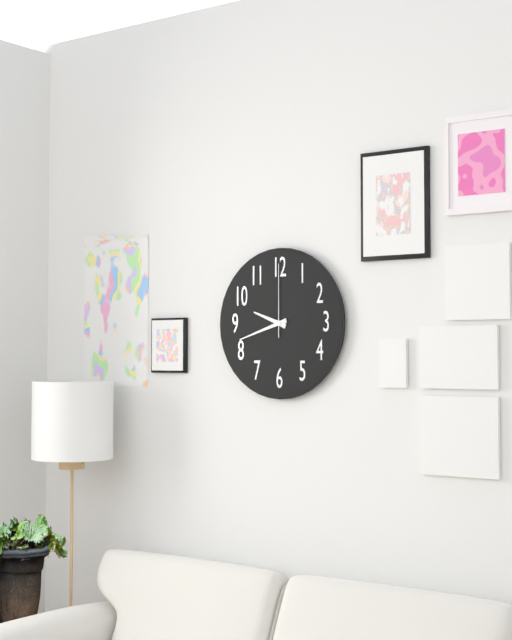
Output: h=9 m=42 s=0
